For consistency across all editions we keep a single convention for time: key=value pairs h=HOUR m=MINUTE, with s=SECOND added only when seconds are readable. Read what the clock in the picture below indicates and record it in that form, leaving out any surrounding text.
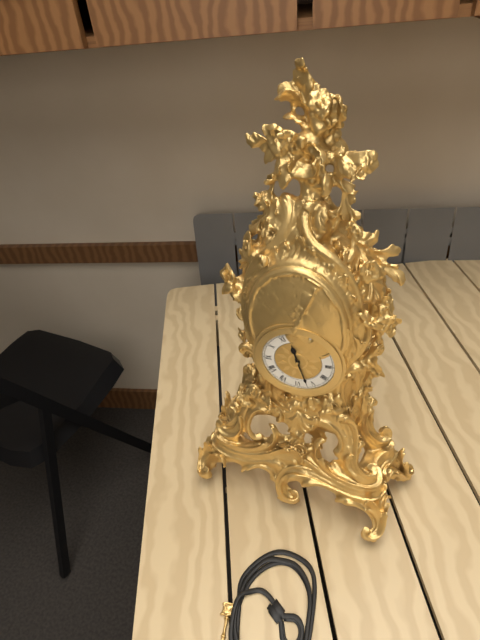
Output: h=11 m=27
